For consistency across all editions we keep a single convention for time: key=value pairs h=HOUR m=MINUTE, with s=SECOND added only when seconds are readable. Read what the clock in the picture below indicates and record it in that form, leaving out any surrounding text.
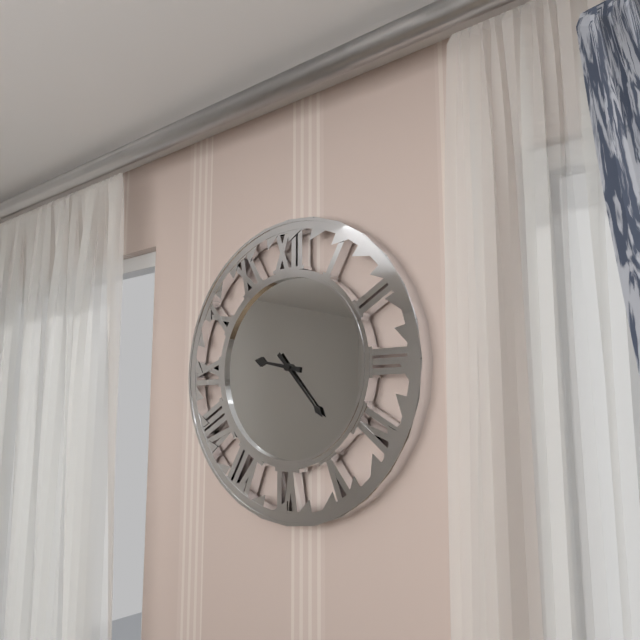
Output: h=9 m=23
